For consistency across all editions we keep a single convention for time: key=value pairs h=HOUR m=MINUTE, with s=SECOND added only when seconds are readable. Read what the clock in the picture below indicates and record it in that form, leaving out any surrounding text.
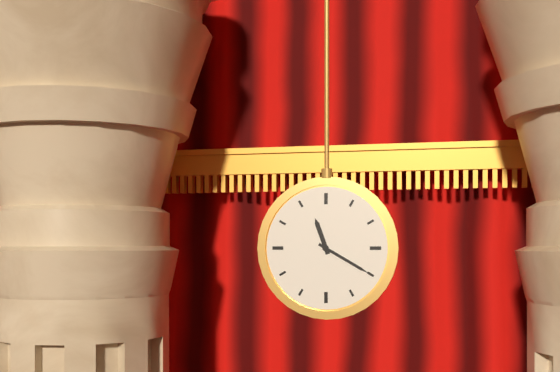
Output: h=11 m=20
